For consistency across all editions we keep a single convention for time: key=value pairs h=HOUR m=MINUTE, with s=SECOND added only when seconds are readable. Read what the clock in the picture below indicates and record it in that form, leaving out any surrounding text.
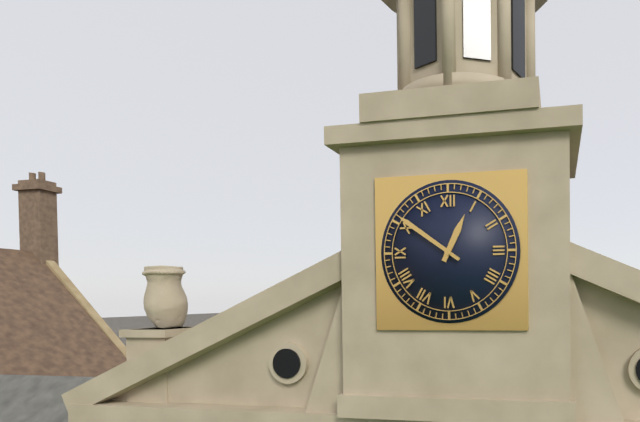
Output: h=12 m=51
